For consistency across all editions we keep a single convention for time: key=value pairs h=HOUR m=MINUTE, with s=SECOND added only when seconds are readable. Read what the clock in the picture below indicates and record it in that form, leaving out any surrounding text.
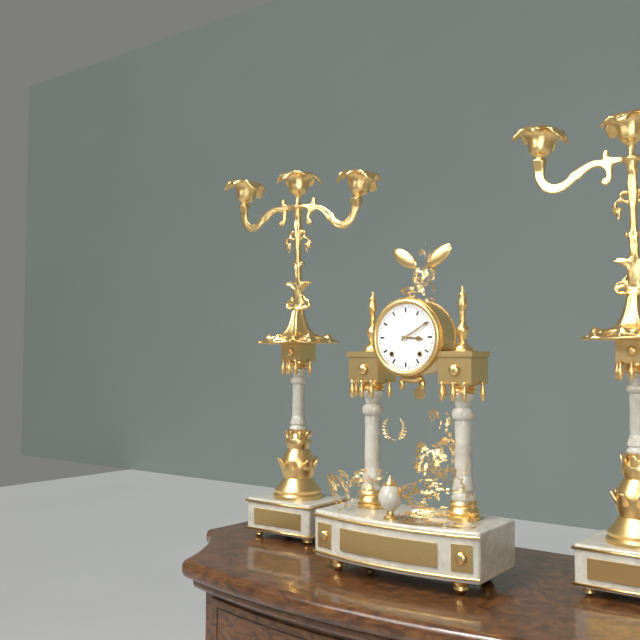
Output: h=3 m=10
